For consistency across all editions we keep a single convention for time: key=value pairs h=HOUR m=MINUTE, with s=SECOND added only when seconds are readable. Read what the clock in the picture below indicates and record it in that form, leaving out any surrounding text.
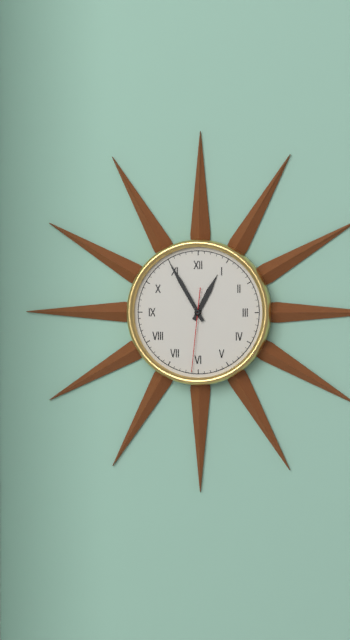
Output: h=12 m=55 s=31
